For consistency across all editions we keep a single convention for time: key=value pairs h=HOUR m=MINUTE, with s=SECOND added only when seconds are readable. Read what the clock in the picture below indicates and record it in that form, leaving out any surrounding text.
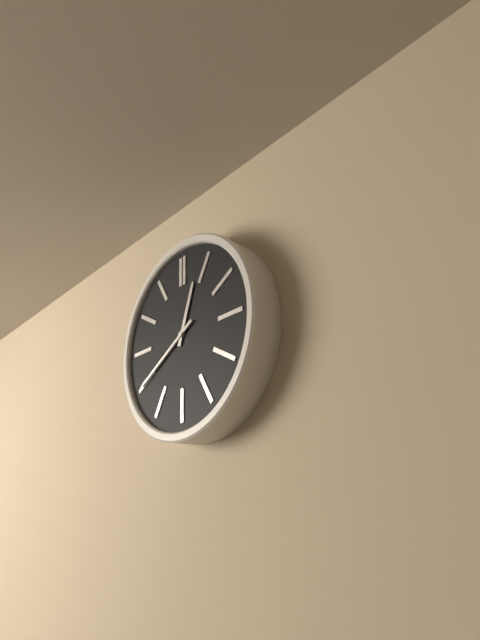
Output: h=12 m=40
